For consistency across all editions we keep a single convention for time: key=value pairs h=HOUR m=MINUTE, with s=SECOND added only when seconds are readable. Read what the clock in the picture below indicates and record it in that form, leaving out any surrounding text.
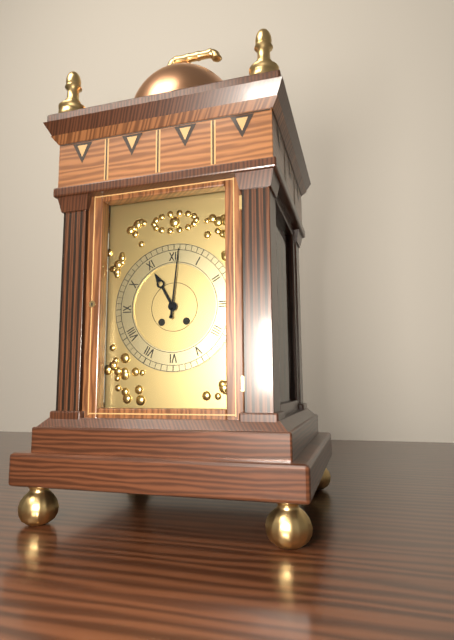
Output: h=11 m=1
